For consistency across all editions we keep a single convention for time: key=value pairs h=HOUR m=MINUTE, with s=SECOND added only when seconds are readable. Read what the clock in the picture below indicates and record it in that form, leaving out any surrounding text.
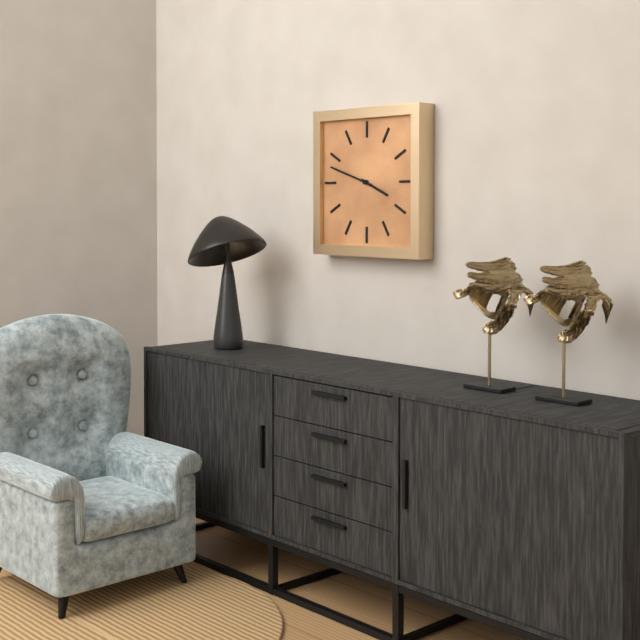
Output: h=3 m=48
